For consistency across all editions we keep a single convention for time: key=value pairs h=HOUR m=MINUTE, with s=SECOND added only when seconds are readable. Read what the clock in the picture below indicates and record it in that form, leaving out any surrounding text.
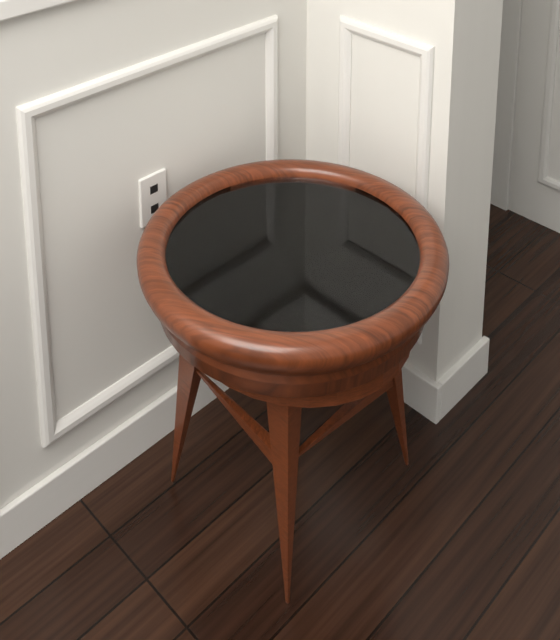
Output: h=5 m=26
